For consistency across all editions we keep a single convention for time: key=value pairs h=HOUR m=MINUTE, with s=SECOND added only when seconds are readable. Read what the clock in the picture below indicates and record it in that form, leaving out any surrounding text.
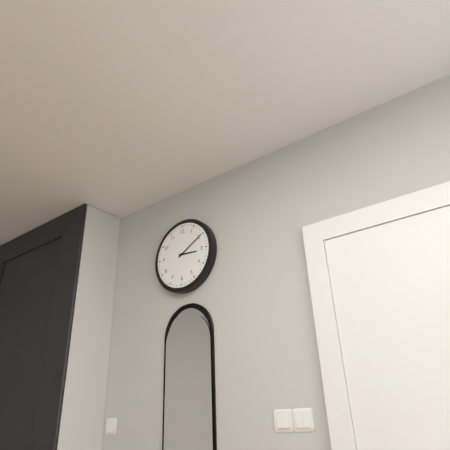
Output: h=3 m=10
